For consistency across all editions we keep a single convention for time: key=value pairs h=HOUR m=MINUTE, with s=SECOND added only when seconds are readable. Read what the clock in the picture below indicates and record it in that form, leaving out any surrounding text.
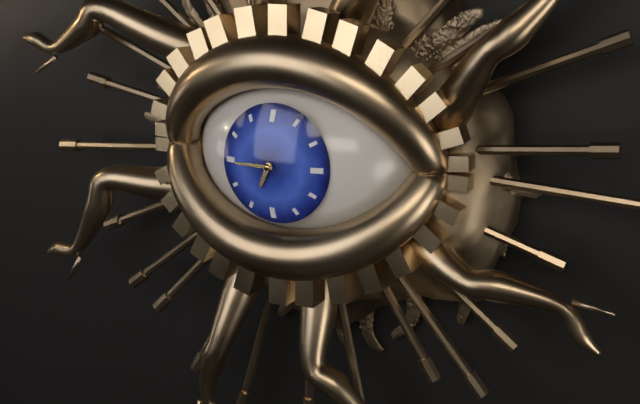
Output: h=6 m=45
